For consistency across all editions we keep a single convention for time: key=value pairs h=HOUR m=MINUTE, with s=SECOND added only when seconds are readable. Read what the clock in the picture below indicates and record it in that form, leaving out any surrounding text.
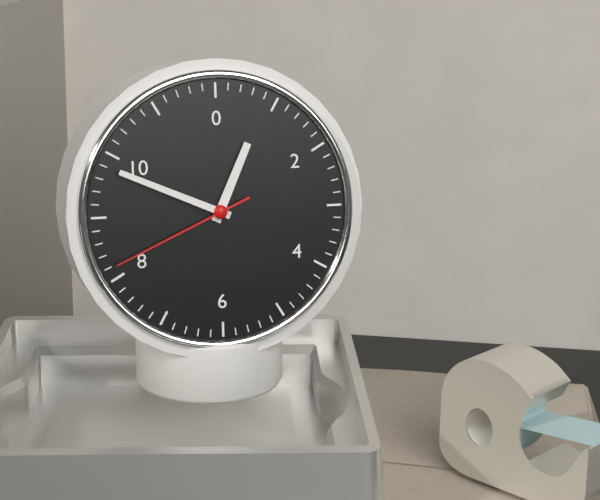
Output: h=12 m=49 s=41
